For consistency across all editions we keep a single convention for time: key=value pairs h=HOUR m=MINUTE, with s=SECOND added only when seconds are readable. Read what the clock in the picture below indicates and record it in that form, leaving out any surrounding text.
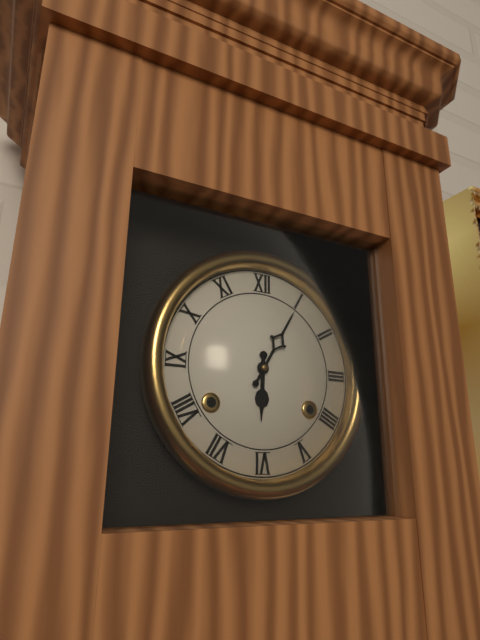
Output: h=6 m=5
